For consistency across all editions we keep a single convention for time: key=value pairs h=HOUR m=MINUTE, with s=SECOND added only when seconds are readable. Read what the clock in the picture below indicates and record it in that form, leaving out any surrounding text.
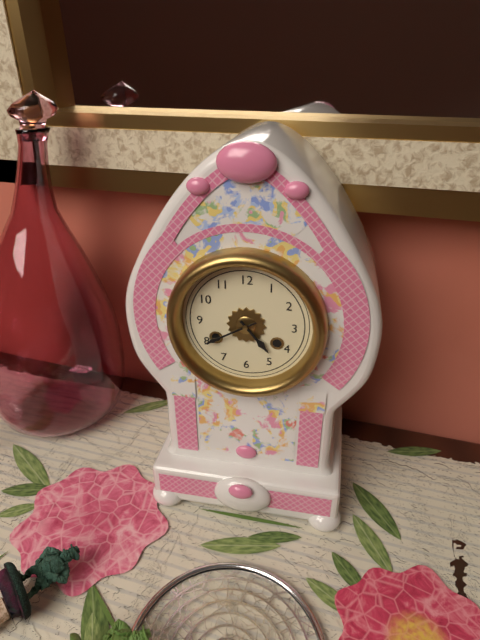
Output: h=4 m=40
